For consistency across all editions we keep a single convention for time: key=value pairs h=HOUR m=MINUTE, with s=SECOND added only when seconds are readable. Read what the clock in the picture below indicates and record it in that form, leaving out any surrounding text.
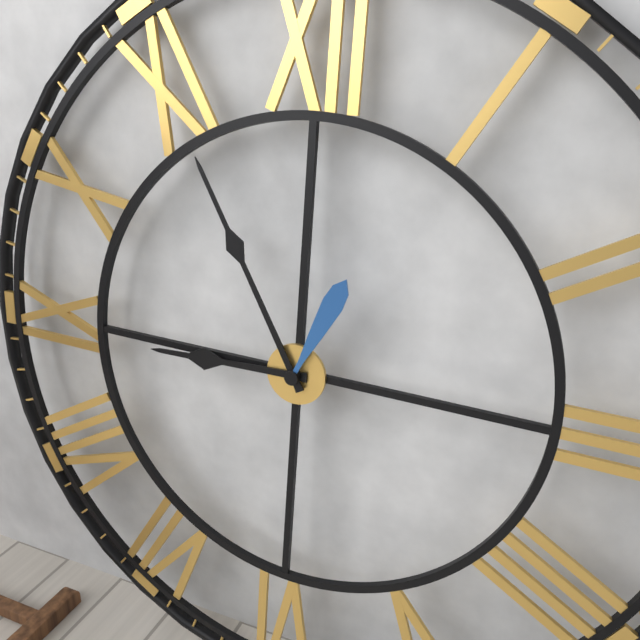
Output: h=8 m=55 s=4
